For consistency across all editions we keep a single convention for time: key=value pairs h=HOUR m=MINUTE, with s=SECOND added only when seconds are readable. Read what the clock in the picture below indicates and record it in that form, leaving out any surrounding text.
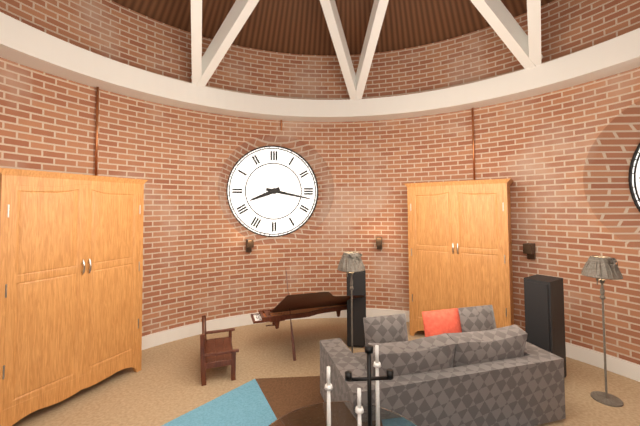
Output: h=8 m=17
